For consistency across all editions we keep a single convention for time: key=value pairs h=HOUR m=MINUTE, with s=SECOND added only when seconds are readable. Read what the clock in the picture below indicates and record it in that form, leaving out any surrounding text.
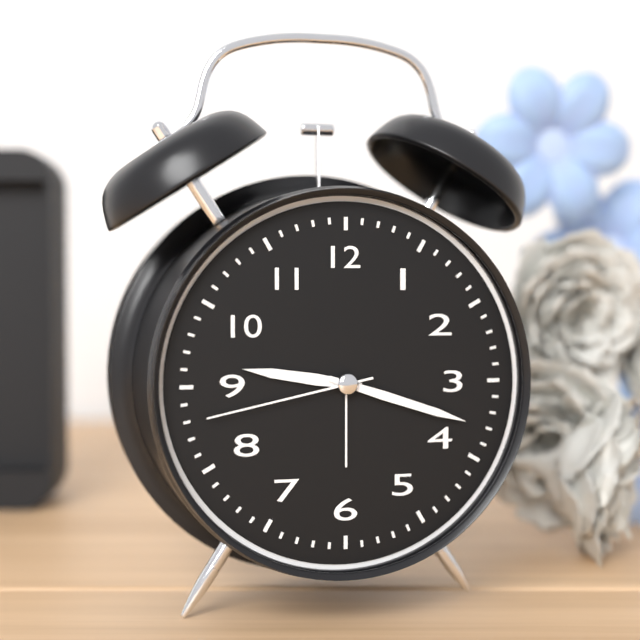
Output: h=9 m=18 s=43
